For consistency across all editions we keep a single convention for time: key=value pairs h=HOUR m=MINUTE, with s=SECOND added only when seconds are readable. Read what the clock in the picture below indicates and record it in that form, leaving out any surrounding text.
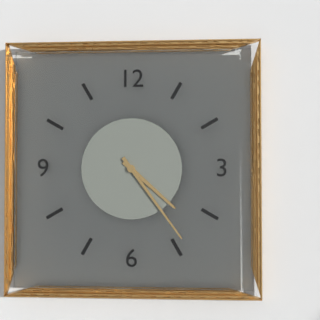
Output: h=4 m=24
